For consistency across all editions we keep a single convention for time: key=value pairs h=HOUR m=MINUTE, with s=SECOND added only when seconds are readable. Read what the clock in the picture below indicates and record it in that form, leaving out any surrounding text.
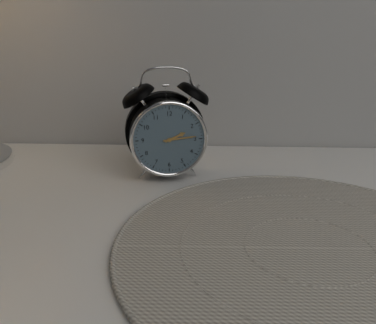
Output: h=2 m=14
